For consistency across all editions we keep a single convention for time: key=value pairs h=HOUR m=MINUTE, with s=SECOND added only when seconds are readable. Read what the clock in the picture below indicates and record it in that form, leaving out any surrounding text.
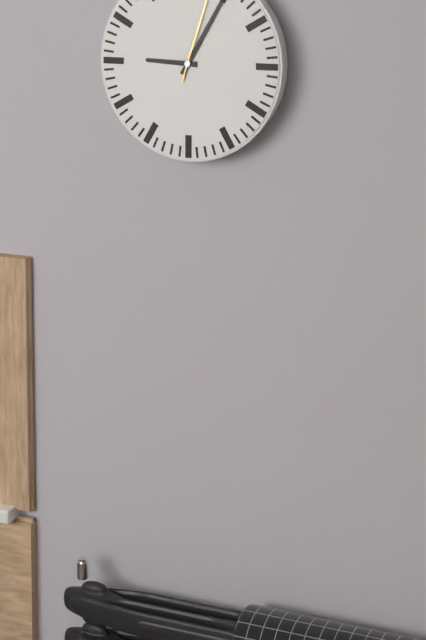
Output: h=9 m=5
